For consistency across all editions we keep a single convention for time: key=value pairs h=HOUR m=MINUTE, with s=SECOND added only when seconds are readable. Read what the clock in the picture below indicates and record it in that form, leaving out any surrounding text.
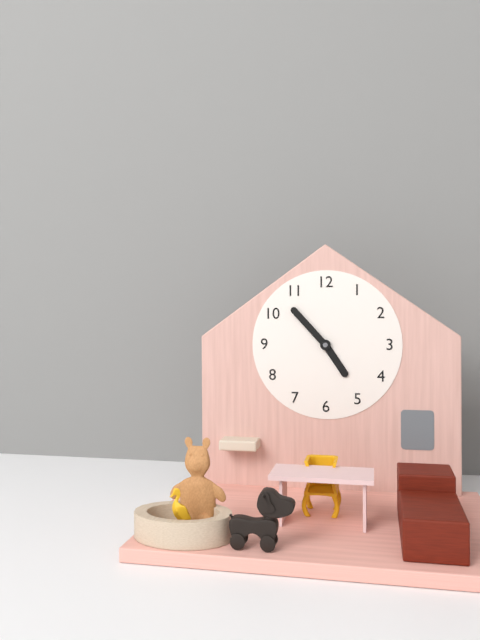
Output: h=4 m=53
